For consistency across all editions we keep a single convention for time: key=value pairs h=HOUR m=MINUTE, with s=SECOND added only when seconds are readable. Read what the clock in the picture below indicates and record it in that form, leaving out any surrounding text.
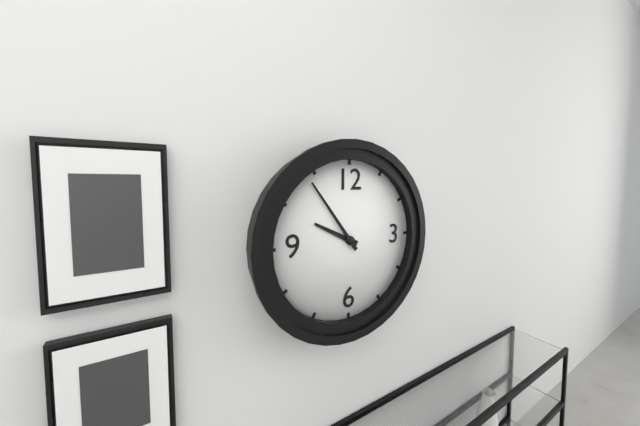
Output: h=9 m=54
